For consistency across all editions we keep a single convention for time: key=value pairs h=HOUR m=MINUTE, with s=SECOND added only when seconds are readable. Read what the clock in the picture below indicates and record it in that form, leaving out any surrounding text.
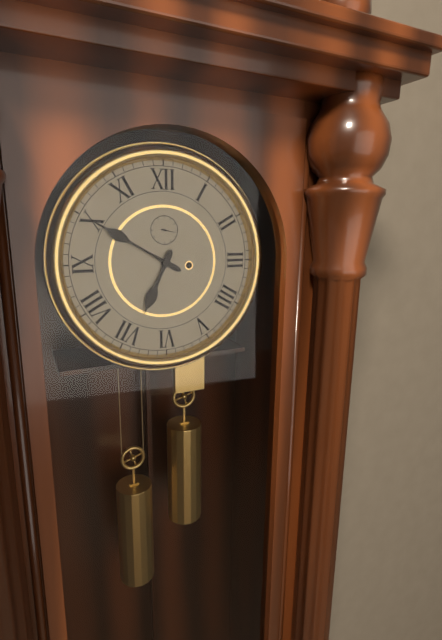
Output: h=6 m=50
